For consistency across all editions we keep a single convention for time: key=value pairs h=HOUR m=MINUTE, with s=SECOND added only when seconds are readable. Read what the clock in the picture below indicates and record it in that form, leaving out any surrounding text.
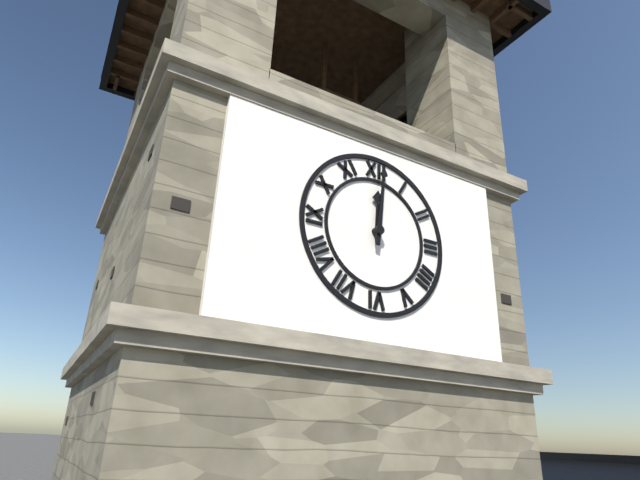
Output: h=12 m=1
